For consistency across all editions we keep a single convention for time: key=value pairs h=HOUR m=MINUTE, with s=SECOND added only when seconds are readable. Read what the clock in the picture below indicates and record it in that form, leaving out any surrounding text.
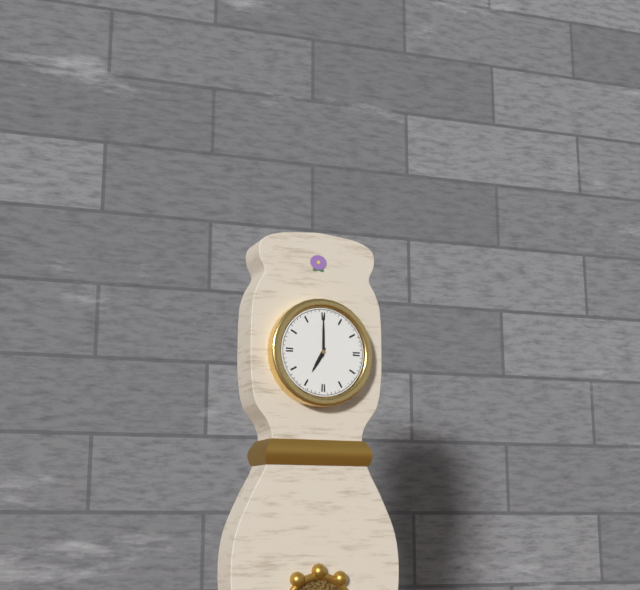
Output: h=7 m=0
